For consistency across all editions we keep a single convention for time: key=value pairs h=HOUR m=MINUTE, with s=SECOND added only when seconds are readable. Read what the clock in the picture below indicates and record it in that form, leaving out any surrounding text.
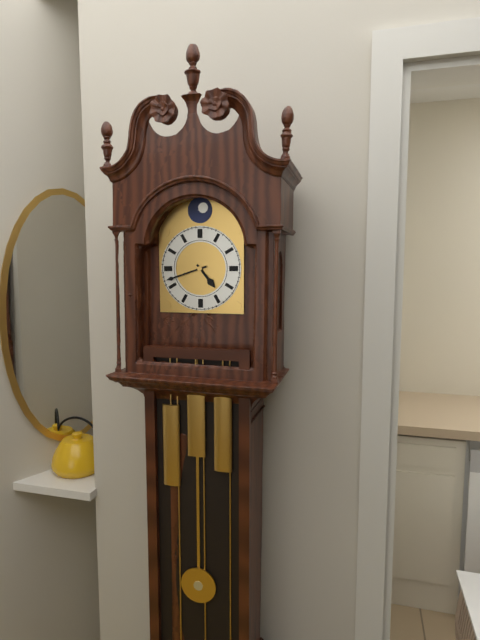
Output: h=4 m=42
